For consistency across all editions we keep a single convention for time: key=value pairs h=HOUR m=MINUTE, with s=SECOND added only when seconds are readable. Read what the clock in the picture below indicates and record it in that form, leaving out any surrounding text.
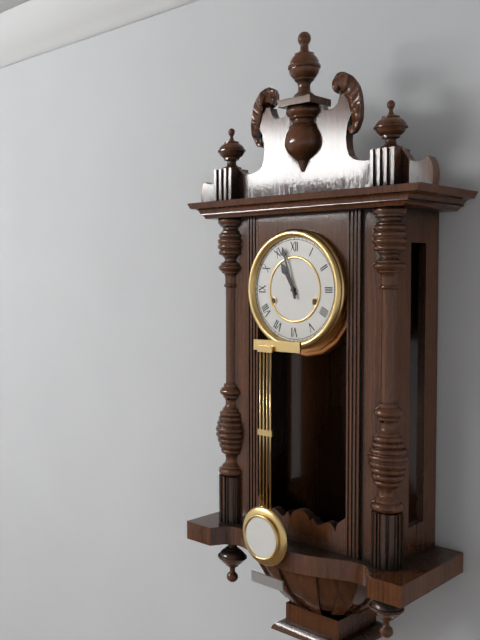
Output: h=10 m=57
